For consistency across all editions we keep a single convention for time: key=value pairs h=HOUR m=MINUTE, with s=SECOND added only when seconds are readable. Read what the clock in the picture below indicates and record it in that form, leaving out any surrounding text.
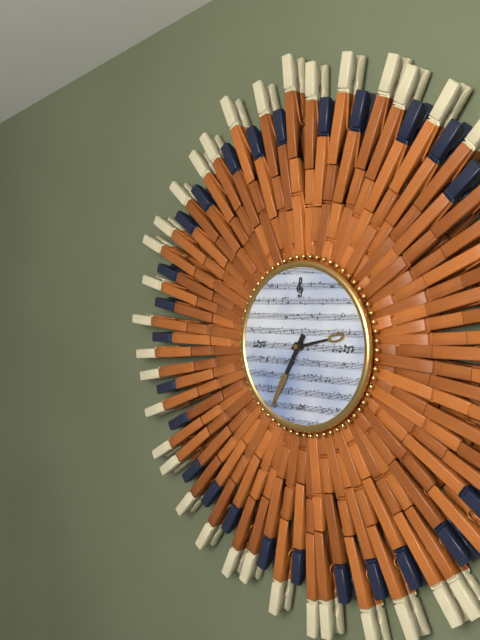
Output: h=2 m=35
